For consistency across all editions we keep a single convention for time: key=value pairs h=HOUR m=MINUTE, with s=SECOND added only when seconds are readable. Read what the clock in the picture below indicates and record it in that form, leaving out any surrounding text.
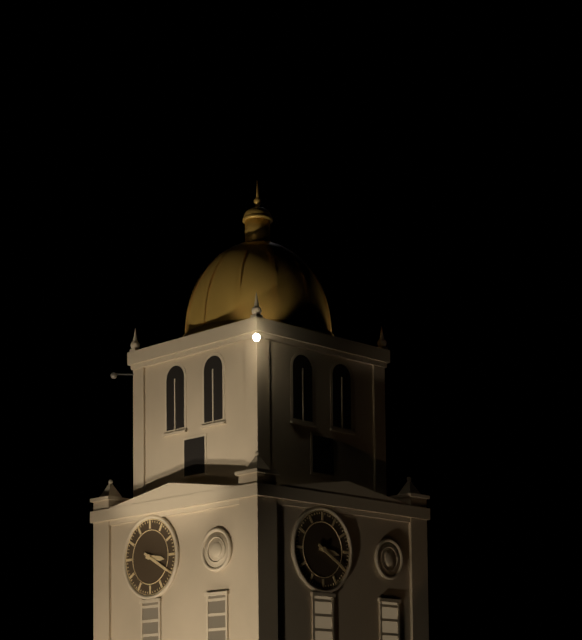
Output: h=3 m=20
